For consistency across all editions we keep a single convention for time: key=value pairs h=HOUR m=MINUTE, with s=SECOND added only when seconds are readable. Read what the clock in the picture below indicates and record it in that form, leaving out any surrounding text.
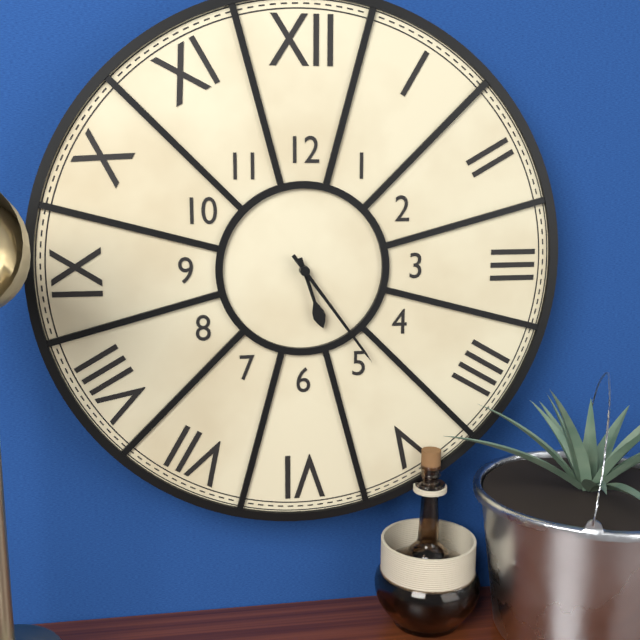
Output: h=5 m=24
